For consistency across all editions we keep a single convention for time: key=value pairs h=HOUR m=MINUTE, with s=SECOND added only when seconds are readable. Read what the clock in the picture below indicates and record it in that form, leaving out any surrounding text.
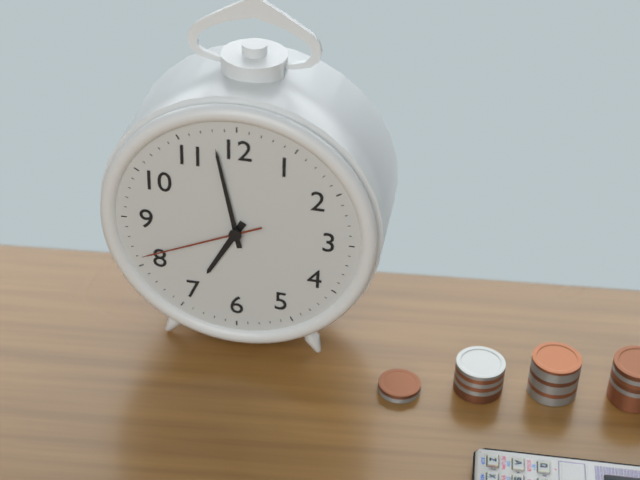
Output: h=6 m=58 s=41
